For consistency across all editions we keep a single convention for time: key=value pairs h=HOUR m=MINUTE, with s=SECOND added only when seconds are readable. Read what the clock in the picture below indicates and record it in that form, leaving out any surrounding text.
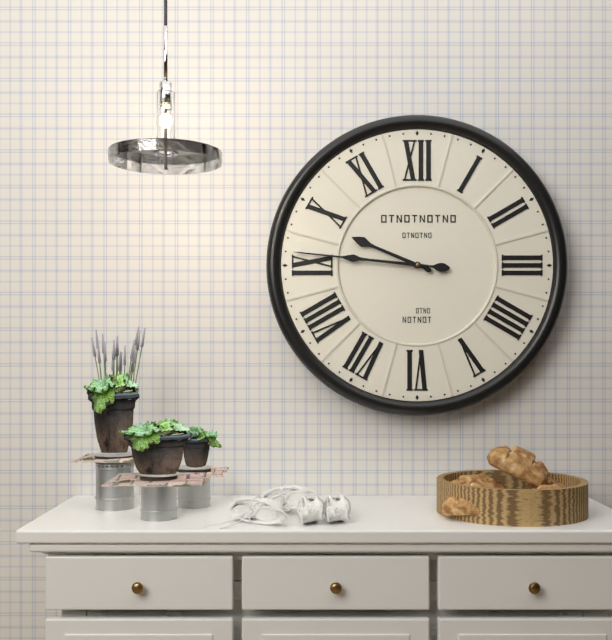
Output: h=9 m=46
